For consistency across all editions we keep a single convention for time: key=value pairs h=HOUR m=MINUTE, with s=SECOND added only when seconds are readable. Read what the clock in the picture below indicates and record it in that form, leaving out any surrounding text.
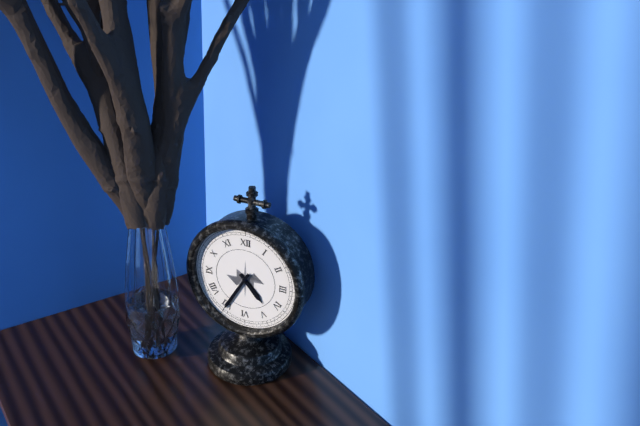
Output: h=4 m=35
